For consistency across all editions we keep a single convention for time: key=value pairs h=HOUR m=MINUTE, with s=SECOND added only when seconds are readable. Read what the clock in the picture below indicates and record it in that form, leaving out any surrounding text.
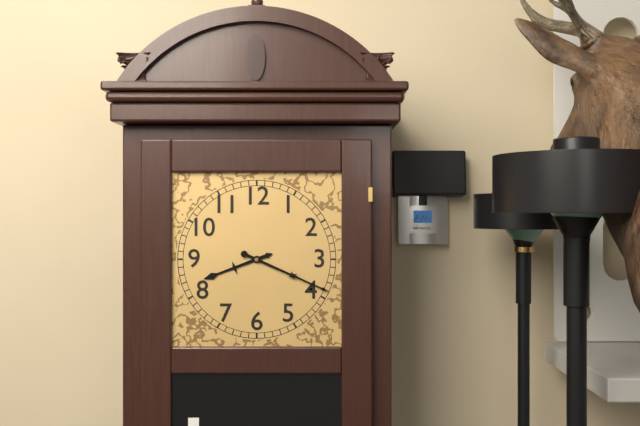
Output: h=8 m=19
